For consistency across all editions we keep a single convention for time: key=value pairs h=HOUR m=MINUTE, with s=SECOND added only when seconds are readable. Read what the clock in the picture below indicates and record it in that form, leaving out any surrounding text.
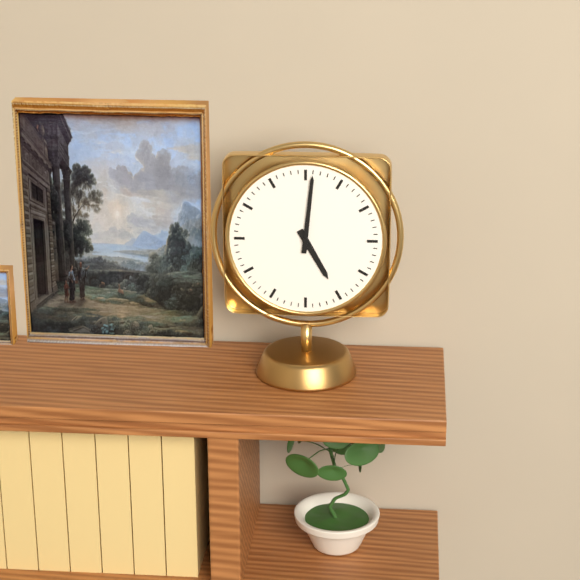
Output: h=5 m=1
